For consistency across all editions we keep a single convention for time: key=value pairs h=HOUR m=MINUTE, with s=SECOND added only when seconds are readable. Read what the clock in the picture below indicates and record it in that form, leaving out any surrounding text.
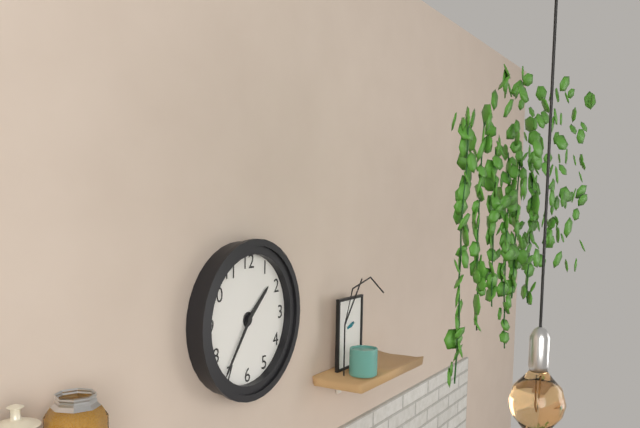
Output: h=1 m=36
